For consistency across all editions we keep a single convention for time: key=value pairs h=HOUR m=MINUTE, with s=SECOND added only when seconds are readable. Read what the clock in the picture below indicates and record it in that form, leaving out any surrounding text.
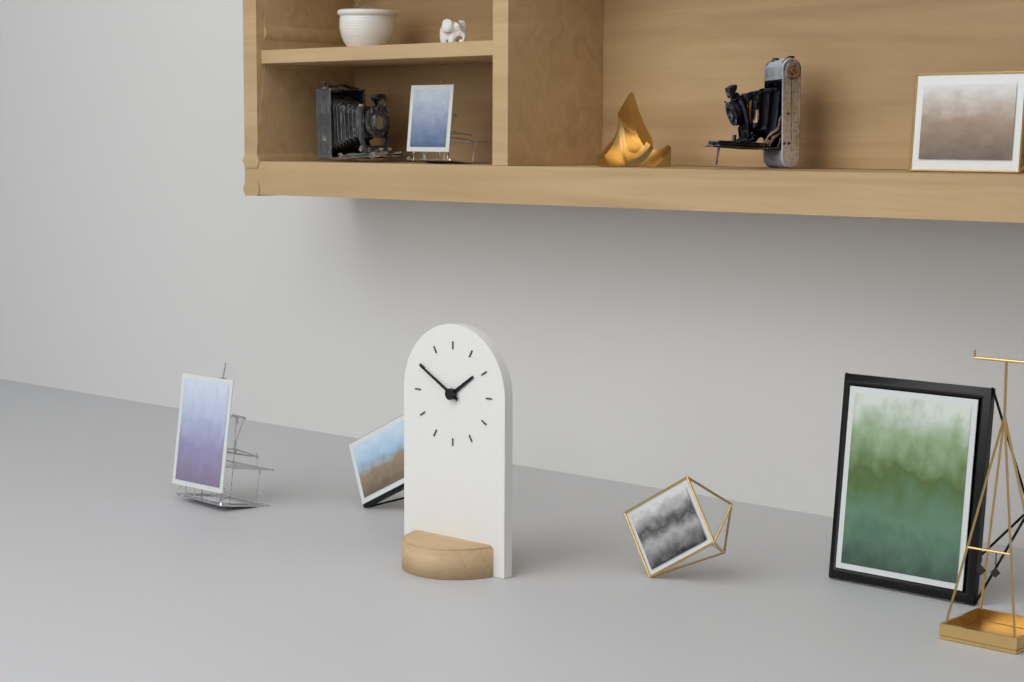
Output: h=1 m=50
